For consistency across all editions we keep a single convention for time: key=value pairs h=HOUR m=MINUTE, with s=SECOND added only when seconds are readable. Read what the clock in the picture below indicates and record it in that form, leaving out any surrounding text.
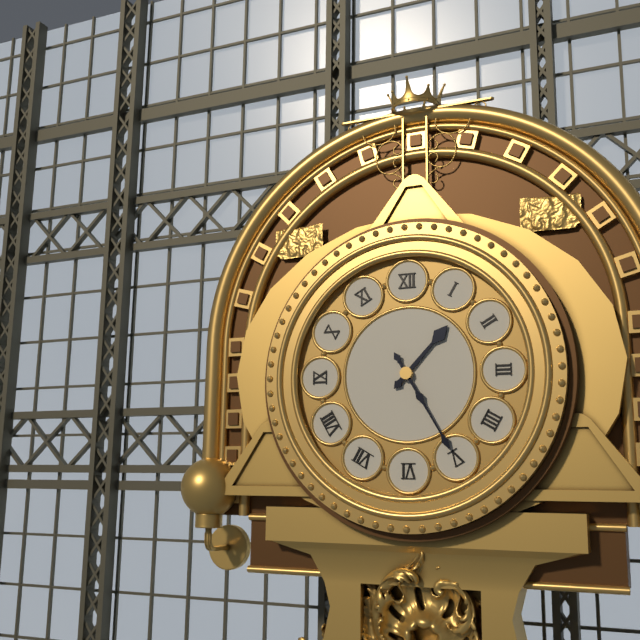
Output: h=1 m=25
